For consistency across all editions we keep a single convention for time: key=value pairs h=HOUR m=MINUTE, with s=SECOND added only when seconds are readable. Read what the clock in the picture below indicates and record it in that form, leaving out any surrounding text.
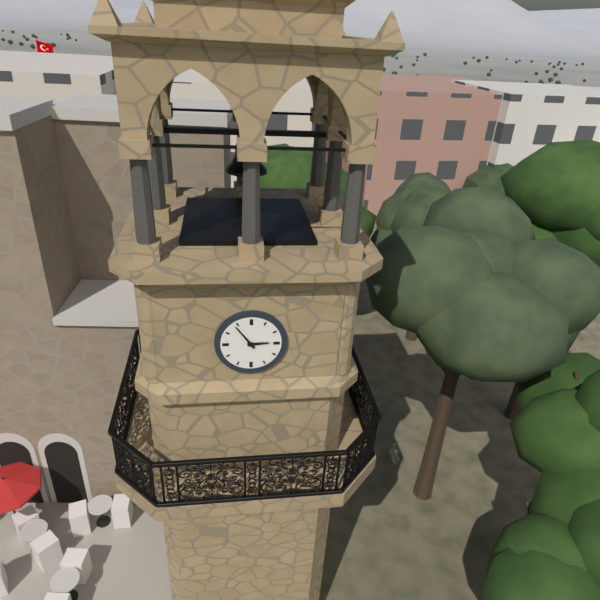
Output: h=2 m=54
